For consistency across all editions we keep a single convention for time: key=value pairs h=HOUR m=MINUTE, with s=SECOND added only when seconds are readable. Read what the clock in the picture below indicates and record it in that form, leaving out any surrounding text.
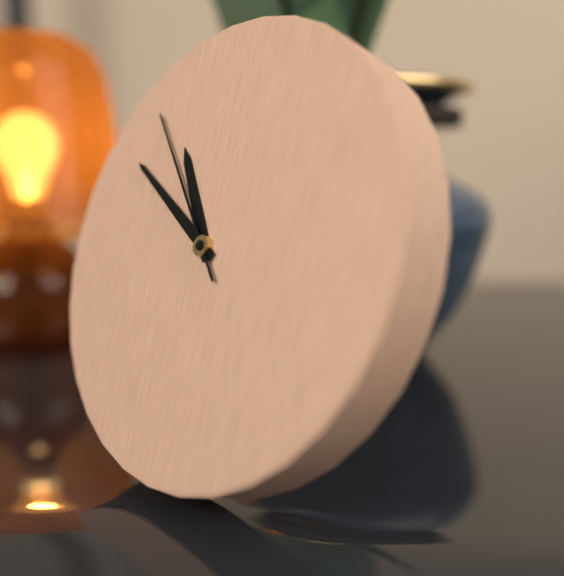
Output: h=10 m=50 s=53
